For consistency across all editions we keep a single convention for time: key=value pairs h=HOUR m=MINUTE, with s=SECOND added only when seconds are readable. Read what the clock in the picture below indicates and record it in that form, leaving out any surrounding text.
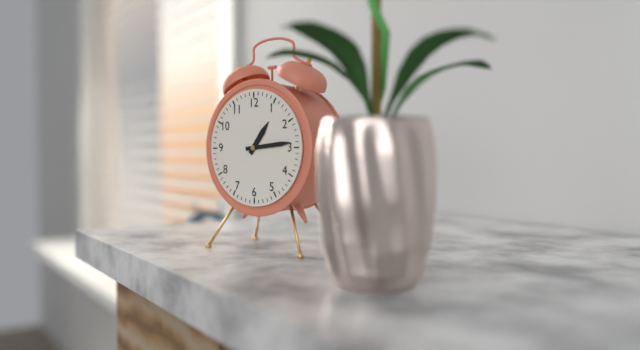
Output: h=1 m=14
